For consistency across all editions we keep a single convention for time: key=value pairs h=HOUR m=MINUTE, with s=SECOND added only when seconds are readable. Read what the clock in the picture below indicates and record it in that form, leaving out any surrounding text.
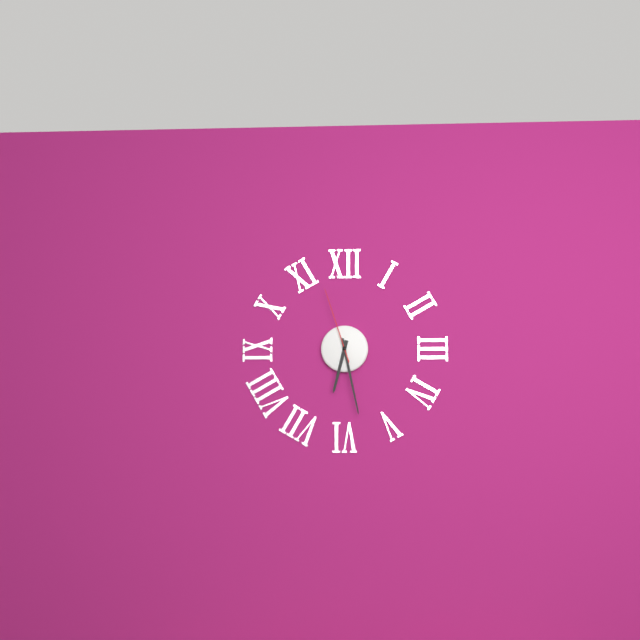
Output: h=6 m=28 s=57
